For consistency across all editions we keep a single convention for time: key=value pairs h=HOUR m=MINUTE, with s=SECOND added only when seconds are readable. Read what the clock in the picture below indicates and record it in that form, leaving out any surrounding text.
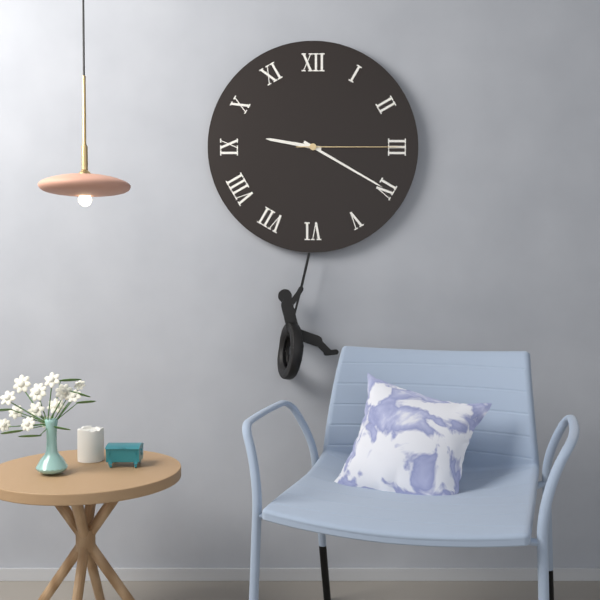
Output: h=9 m=20 s=15
